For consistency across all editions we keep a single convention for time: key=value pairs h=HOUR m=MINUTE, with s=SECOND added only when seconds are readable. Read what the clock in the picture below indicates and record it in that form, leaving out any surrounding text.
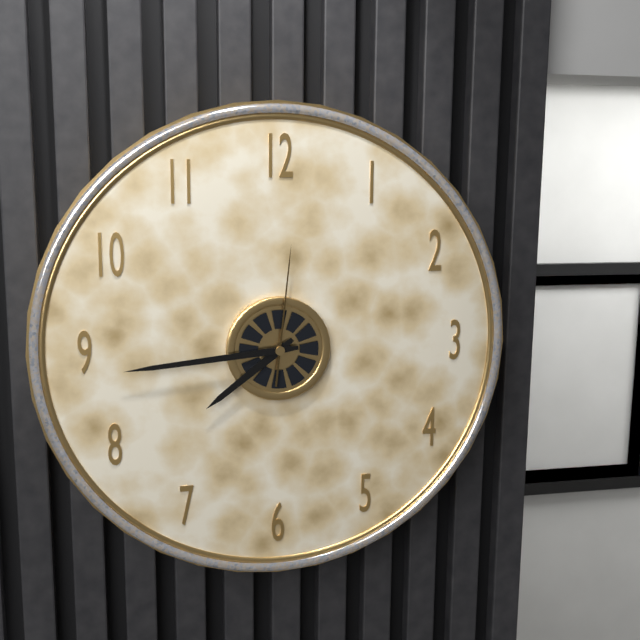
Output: h=7 m=44 s=1
